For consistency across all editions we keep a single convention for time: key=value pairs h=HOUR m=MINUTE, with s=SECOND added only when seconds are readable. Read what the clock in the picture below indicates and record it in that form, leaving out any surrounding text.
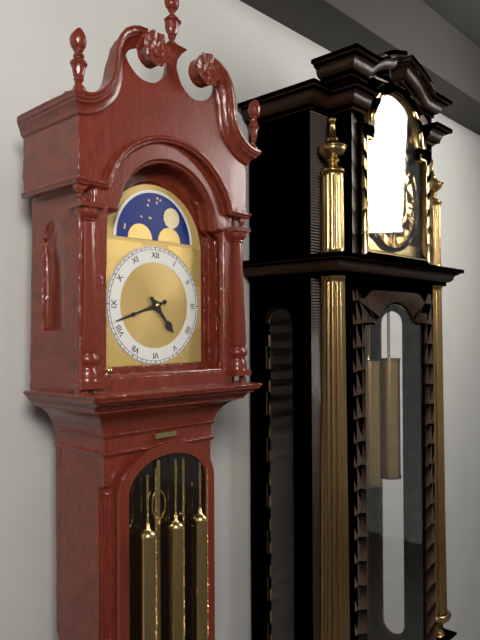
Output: h=4 m=42
